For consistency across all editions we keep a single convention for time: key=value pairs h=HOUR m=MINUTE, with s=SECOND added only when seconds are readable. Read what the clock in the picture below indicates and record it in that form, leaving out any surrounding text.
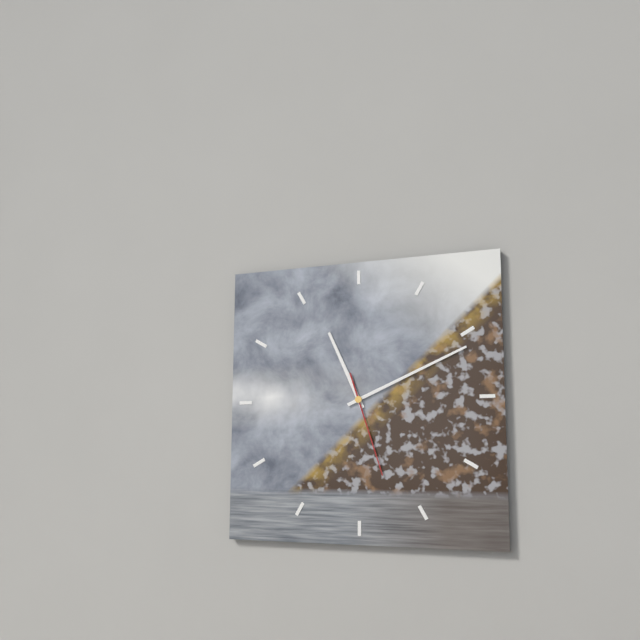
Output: h=11 m=11 s=27
